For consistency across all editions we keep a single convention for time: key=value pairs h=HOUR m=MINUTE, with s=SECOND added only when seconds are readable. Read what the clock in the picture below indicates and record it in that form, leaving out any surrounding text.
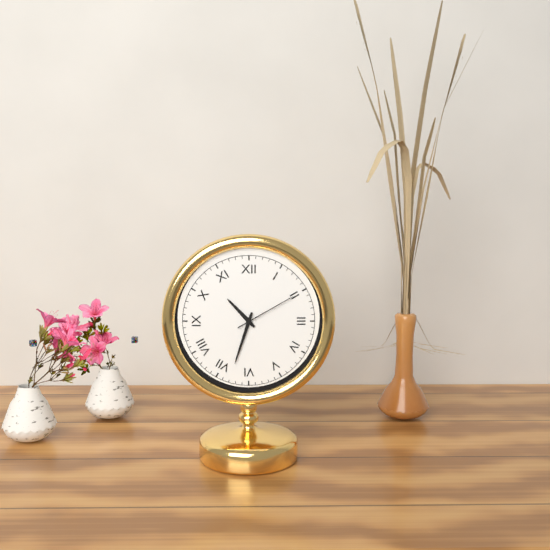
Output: h=10 m=33 s=10
